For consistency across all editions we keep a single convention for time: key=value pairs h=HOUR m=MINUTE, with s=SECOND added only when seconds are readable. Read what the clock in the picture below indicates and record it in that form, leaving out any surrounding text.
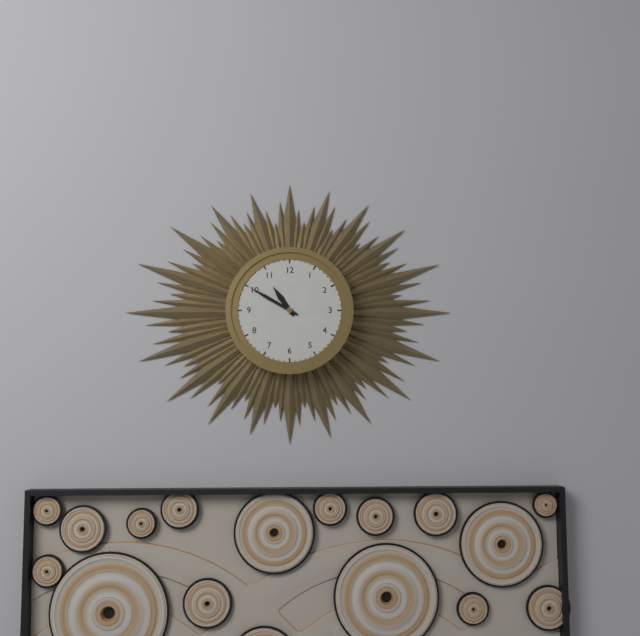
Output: h=10 m=50
